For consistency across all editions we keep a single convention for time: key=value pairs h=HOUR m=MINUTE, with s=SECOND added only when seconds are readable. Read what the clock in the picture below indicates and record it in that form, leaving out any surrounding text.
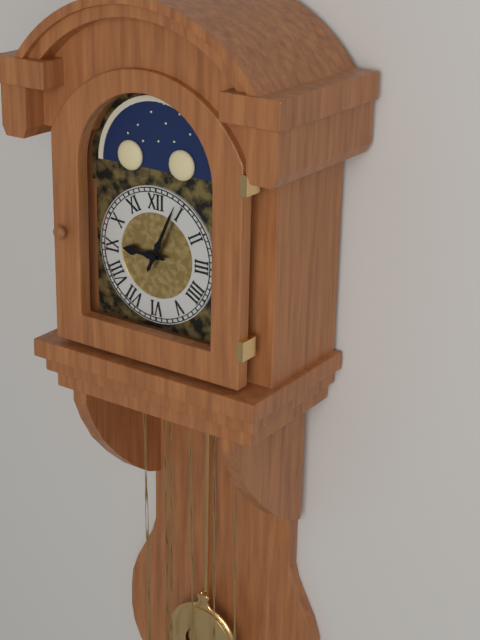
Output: h=9 m=4
